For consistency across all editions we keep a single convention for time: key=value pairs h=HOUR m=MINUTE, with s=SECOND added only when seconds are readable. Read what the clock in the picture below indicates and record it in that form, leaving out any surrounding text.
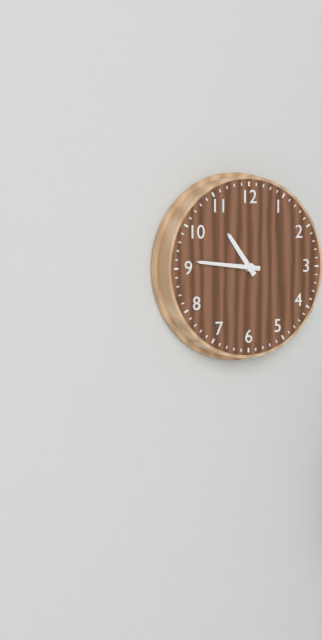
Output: h=10 m=46
